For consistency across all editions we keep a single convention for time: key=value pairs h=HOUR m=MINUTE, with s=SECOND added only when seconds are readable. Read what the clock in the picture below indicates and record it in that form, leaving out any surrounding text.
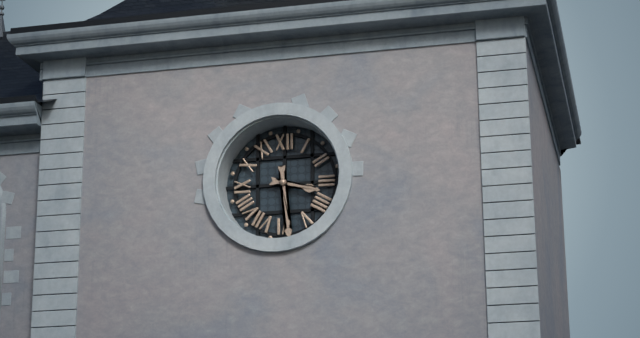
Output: h=3 m=29
